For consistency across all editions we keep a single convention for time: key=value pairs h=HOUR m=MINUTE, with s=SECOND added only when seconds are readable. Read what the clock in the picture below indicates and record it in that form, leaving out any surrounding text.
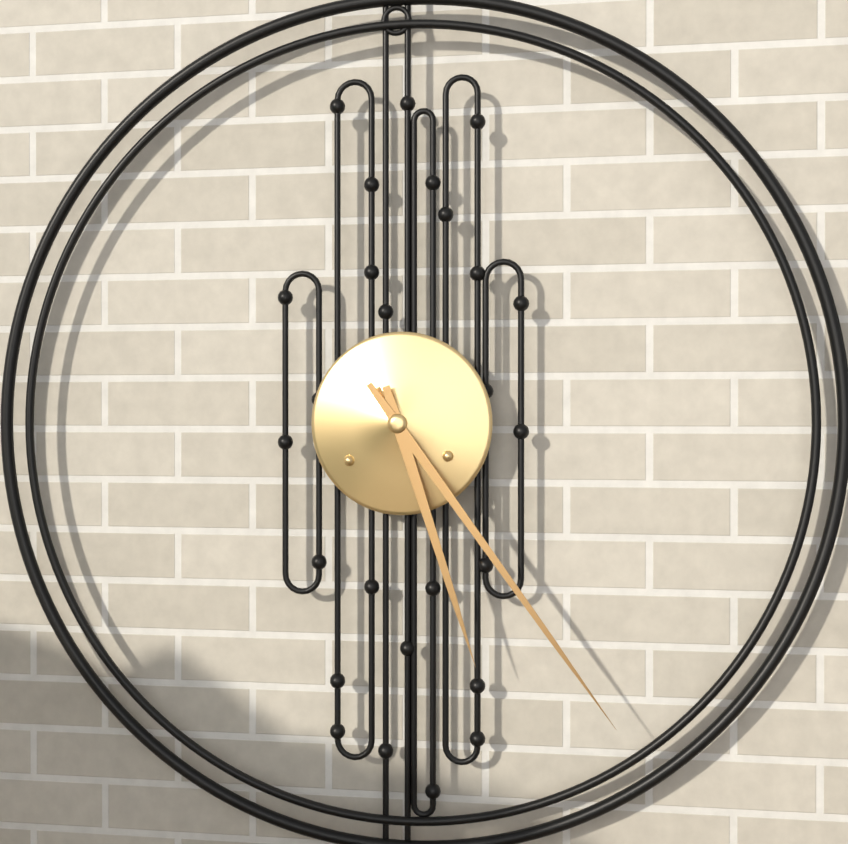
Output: h=5 m=24
